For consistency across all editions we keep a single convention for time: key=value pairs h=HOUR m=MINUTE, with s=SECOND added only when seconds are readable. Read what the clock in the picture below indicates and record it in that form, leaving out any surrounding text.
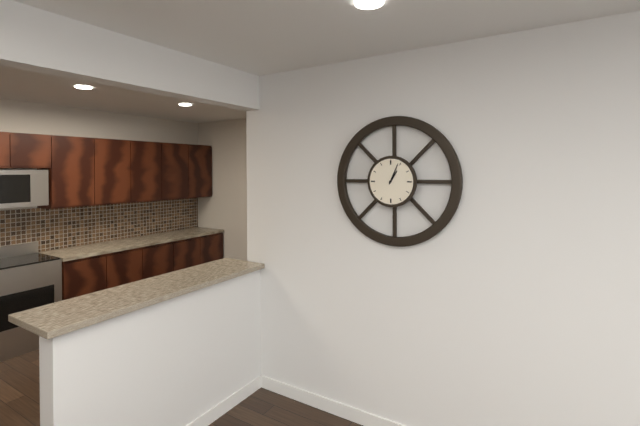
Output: h=1 m=4
